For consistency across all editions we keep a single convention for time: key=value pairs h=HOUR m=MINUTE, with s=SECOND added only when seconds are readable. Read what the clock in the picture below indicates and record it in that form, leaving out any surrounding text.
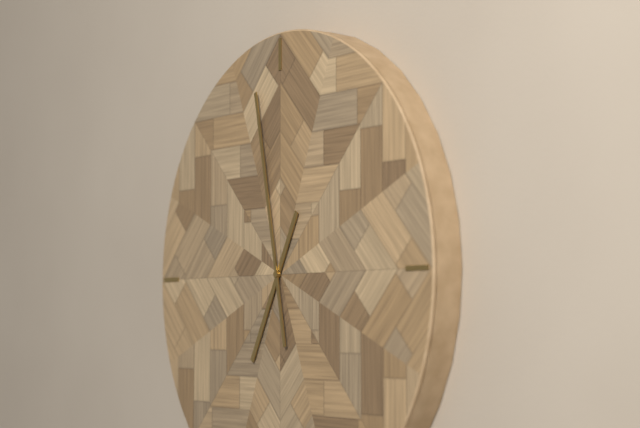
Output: h=6 m=58
